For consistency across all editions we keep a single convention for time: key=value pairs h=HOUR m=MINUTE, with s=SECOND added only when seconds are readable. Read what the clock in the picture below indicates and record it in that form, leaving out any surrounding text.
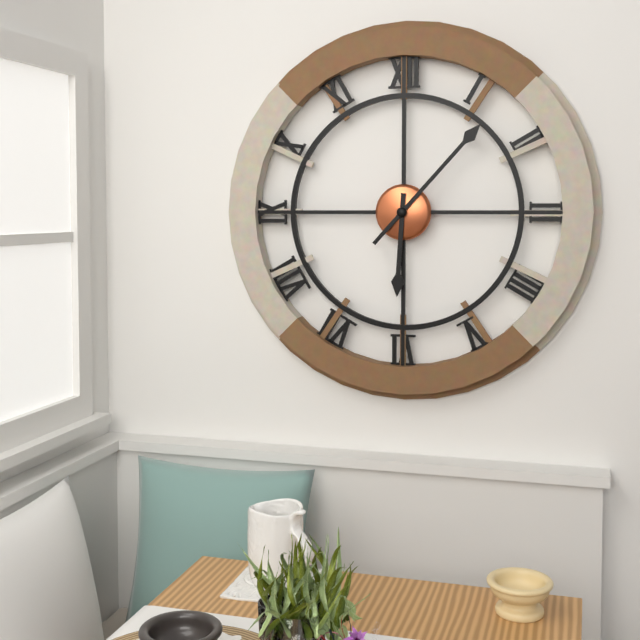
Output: h=6 m=7
